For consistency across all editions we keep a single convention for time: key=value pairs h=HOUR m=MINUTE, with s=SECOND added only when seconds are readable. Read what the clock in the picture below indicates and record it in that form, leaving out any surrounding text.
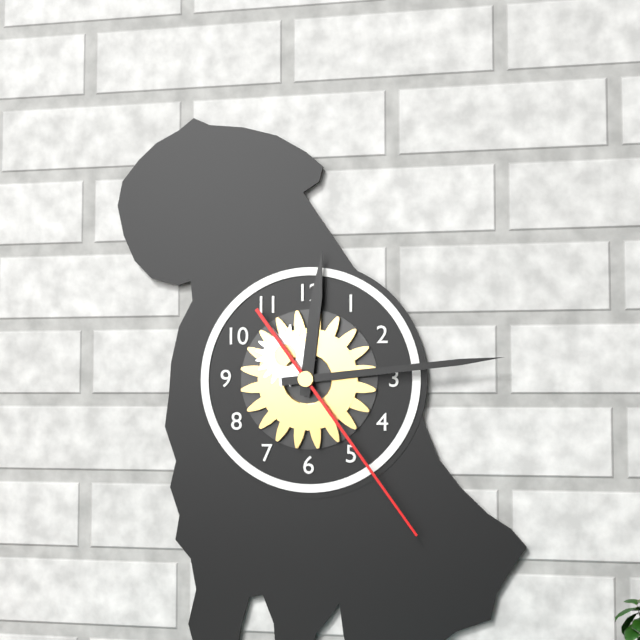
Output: h=12 m=14 s=24
